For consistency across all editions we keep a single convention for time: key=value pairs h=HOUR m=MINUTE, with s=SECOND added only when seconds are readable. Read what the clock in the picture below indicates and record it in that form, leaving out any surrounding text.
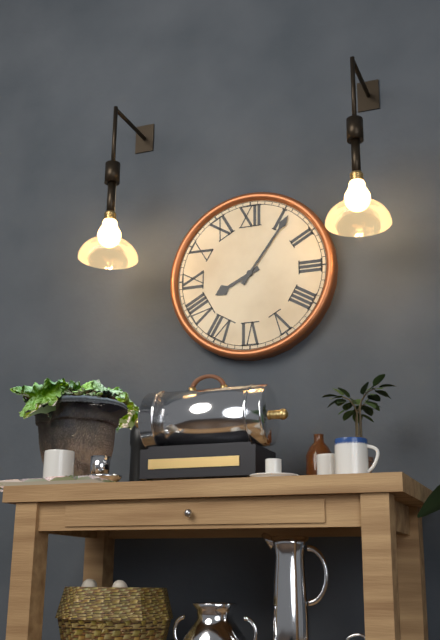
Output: h=8 m=6
